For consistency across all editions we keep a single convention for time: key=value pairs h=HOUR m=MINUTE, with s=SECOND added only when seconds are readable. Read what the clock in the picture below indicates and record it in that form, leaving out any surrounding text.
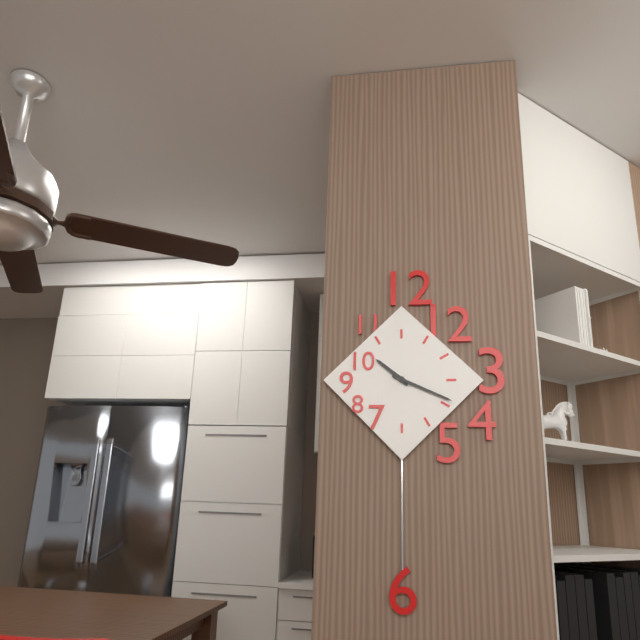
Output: h=10 m=19
